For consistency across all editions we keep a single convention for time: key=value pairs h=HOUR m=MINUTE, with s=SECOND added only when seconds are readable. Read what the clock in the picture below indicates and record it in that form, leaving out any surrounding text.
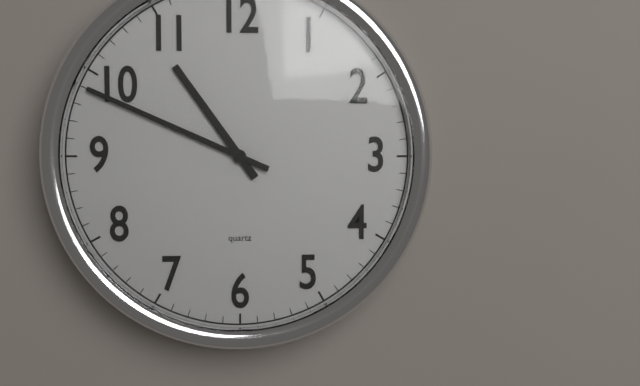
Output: h=10 m=49
